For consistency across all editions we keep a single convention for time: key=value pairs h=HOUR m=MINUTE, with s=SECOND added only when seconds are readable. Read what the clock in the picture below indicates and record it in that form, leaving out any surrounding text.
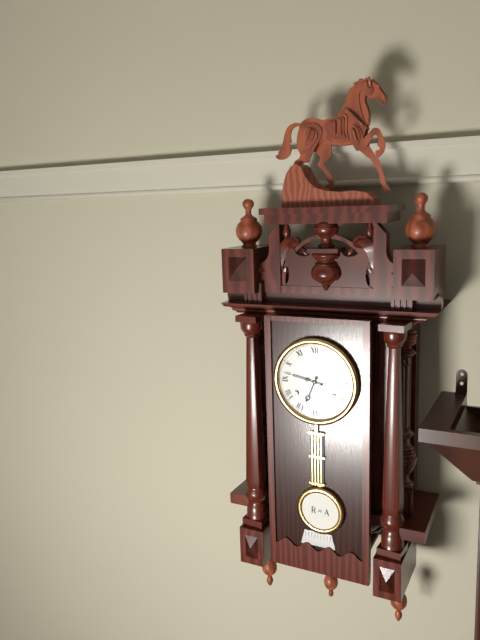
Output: h=6 m=47
